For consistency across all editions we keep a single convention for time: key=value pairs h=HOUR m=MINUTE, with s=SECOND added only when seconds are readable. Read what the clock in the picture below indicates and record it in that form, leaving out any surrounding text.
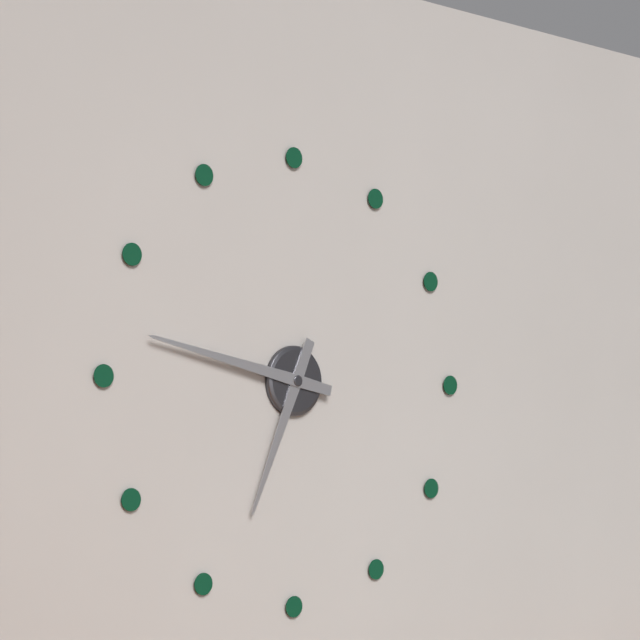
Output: h=6 m=47
